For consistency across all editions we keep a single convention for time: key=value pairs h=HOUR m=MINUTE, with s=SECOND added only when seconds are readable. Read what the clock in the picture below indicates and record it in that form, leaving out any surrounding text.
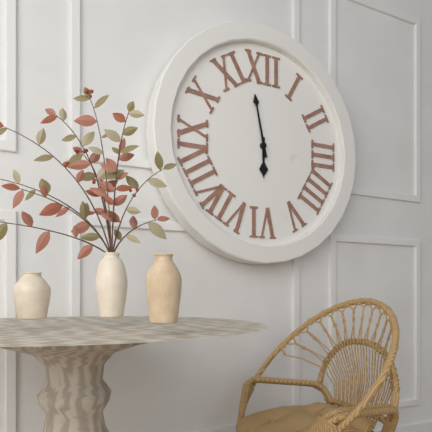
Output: h=5 m=58
